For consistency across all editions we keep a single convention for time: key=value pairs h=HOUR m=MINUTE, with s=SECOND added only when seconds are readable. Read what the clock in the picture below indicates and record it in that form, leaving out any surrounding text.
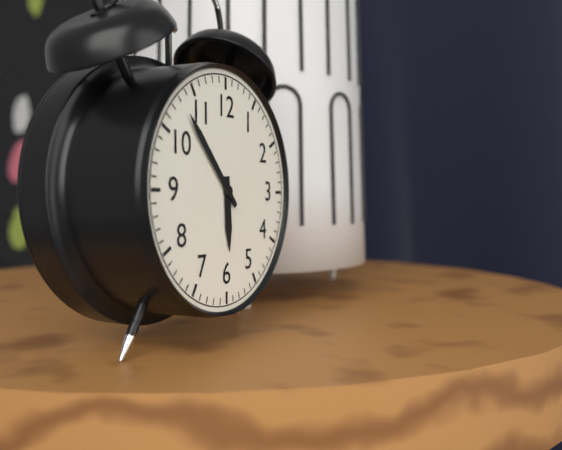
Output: h=5 m=53
